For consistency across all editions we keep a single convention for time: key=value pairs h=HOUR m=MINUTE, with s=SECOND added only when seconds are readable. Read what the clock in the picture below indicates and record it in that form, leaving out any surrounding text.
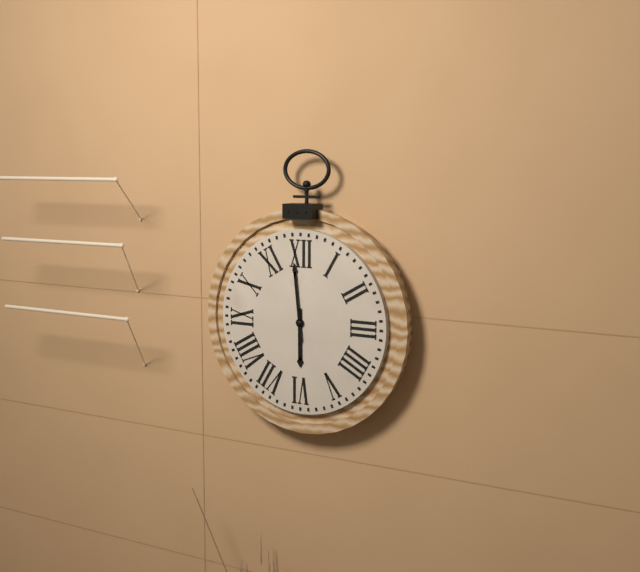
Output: h=5 m=59
